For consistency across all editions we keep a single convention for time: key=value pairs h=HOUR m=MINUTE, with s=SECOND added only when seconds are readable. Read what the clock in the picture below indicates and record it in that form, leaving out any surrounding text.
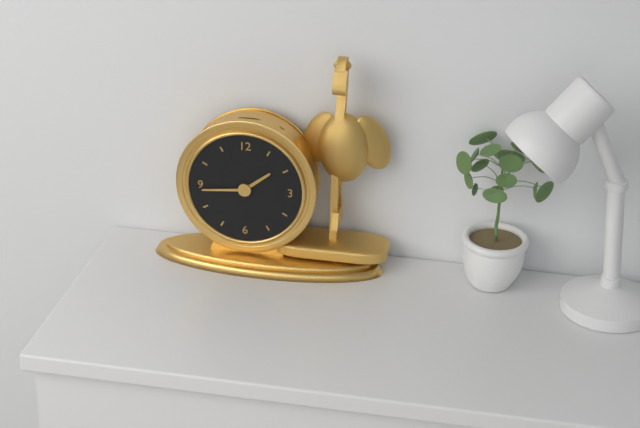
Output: h=1 m=44
